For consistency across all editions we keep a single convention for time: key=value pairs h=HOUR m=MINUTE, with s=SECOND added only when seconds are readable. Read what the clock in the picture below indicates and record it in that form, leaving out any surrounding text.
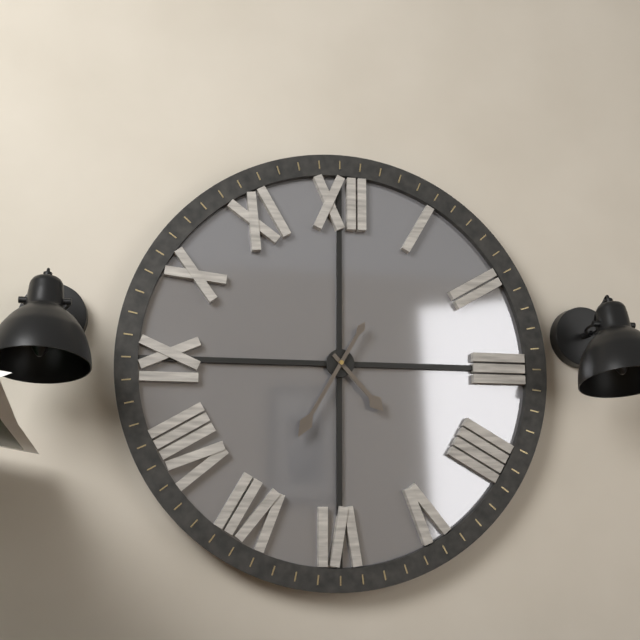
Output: h=4 m=35
